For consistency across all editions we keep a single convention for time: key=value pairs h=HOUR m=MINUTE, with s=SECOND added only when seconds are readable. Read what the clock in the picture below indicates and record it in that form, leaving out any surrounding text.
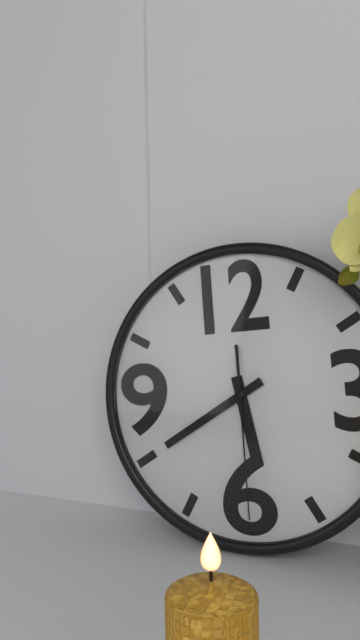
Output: h=5 m=40 s=30
